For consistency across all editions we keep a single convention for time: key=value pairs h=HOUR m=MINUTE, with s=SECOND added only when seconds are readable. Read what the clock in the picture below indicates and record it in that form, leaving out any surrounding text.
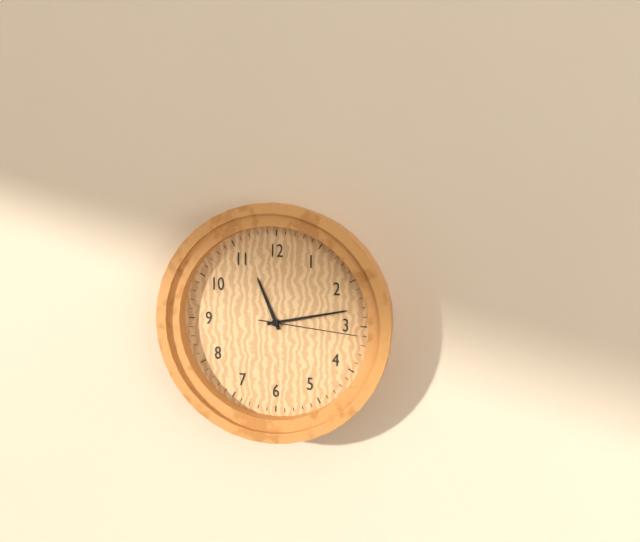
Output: h=11 m=13 s=16
